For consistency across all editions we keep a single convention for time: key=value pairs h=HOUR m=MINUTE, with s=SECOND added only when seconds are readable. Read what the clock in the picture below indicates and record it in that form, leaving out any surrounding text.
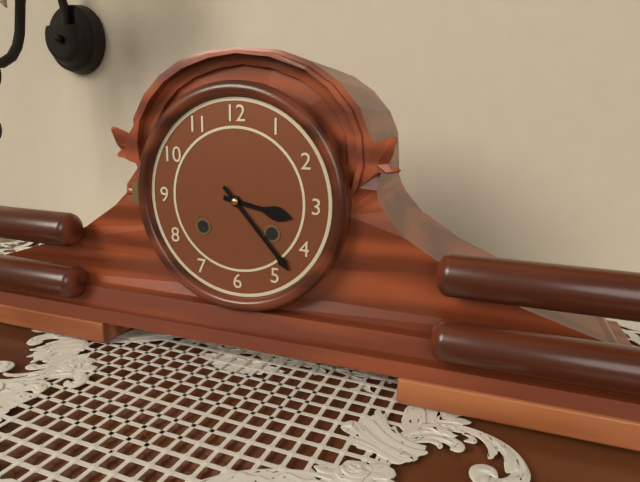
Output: h=3 m=23
